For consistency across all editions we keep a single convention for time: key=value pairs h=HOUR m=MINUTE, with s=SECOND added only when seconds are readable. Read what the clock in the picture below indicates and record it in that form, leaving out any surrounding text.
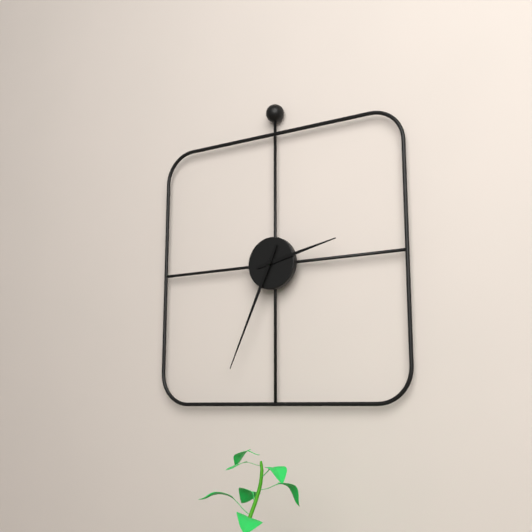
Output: h=2 m=34
